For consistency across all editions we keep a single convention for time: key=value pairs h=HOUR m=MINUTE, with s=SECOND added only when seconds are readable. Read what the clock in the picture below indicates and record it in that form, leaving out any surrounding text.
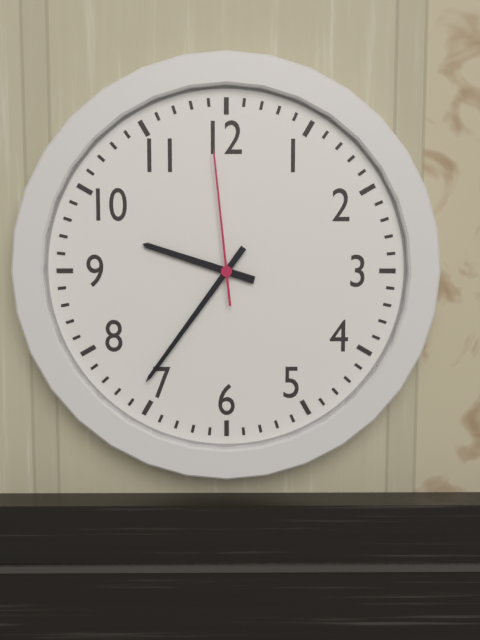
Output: h=9 m=36 s=59
